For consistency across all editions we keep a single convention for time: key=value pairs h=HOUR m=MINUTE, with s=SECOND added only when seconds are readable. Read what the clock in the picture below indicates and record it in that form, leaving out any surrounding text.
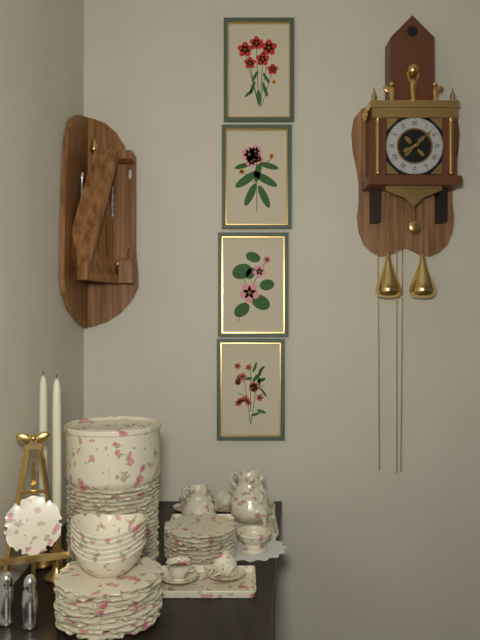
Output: h=8 m=8
